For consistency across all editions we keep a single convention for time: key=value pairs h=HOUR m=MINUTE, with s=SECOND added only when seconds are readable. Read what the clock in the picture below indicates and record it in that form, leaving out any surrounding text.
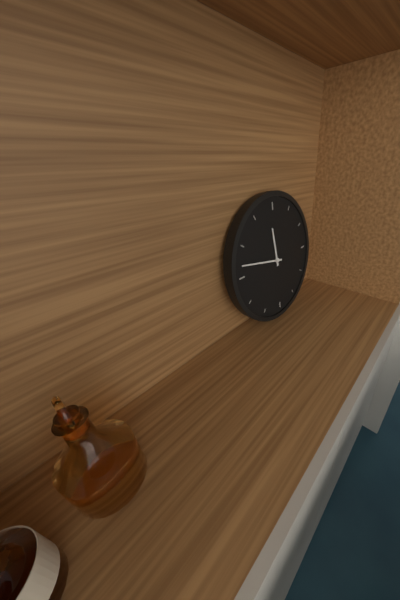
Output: h=11 m=47
